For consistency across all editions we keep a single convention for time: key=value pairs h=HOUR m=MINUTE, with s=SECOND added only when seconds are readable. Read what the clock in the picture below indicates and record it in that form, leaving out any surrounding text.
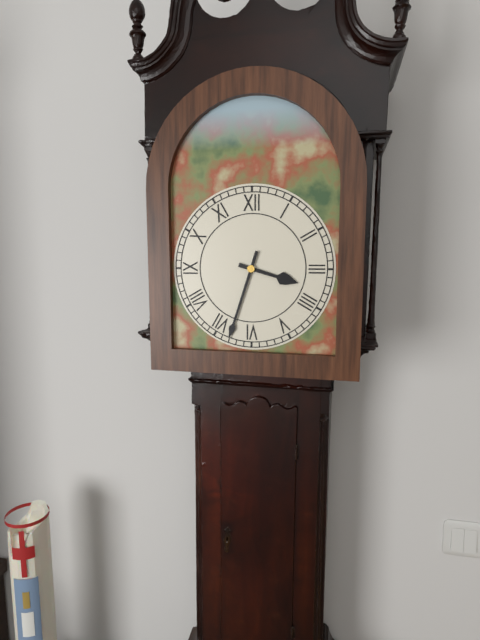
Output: h=3 m=33
